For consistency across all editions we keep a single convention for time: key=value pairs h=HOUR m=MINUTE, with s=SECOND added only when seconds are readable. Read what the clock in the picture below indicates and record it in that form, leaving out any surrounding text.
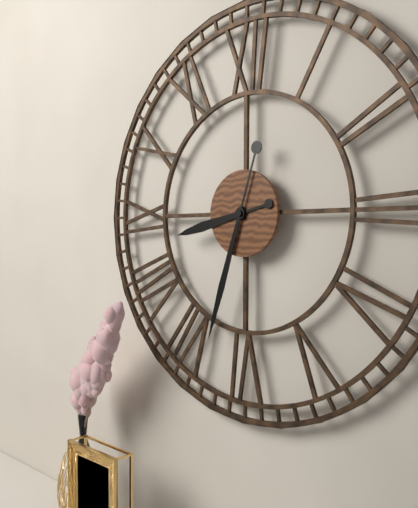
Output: h=8 m=33
